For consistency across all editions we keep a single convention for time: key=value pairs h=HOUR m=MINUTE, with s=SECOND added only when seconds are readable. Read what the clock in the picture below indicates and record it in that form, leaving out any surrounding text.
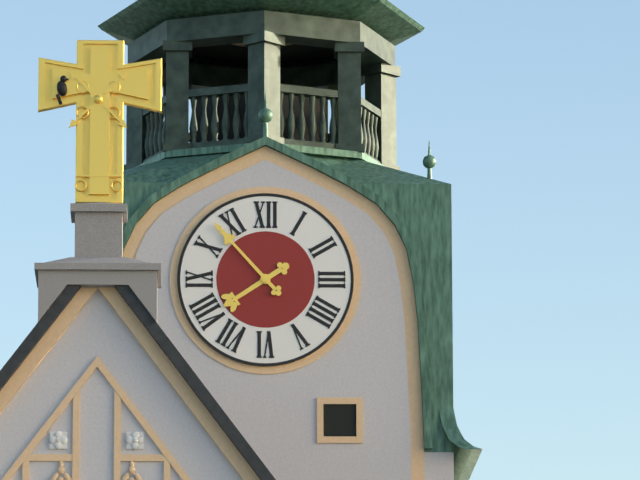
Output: h=7 m=53
